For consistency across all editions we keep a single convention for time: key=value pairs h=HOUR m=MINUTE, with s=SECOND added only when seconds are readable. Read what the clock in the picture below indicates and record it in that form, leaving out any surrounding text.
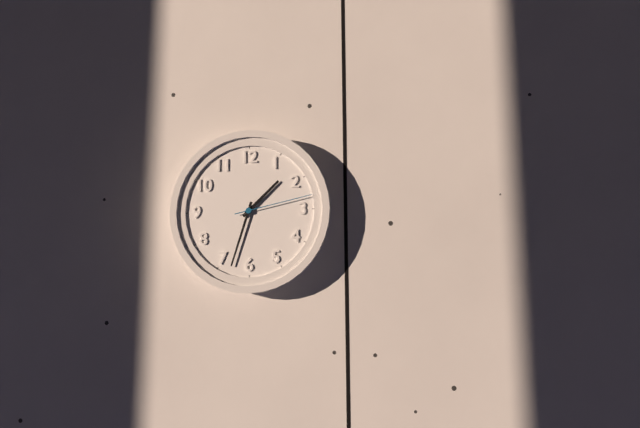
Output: h=1 m=33 s=13
